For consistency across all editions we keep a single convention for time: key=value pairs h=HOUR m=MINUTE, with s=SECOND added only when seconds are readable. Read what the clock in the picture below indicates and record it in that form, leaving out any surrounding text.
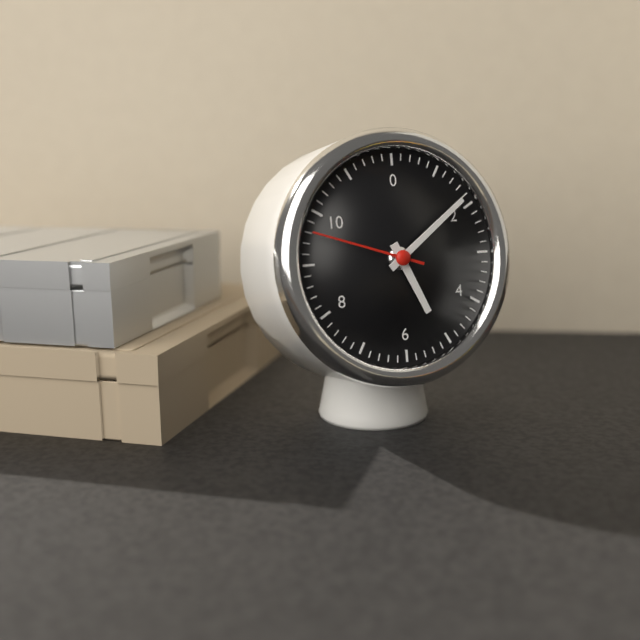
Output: h=5 m=9 s=48
